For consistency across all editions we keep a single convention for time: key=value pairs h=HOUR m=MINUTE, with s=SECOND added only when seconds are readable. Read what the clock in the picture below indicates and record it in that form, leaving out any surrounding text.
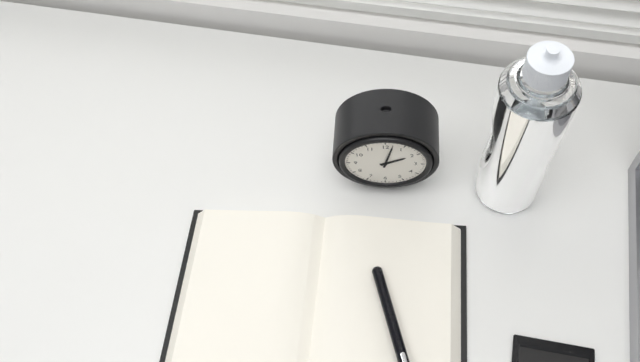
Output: h=2 m=2
